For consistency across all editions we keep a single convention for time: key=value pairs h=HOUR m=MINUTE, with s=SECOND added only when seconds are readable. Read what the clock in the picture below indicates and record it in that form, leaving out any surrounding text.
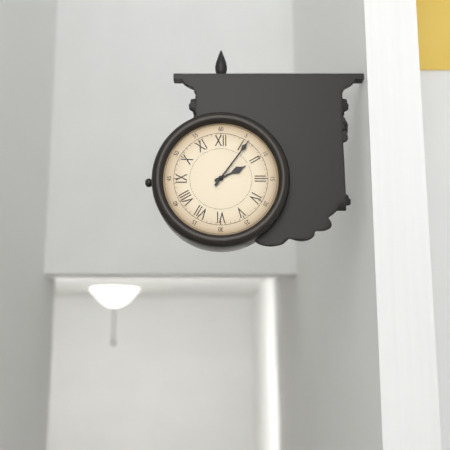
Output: h=2 m=6
